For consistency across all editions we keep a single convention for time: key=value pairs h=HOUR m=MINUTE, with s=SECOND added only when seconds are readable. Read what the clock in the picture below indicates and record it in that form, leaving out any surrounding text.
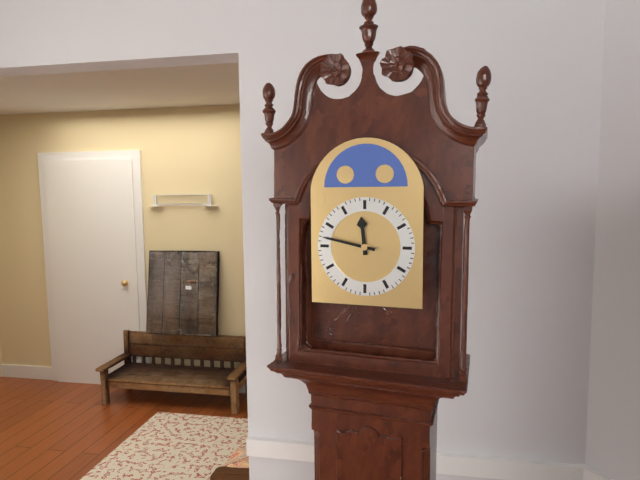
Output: h=11 m=47
